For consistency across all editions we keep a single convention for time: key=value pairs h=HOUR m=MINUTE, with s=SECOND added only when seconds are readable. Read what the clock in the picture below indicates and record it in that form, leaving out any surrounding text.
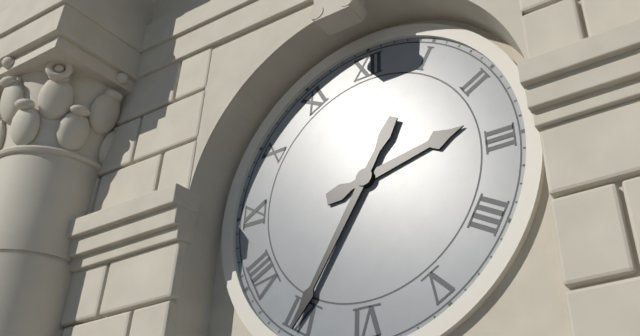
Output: h=2 m=35
